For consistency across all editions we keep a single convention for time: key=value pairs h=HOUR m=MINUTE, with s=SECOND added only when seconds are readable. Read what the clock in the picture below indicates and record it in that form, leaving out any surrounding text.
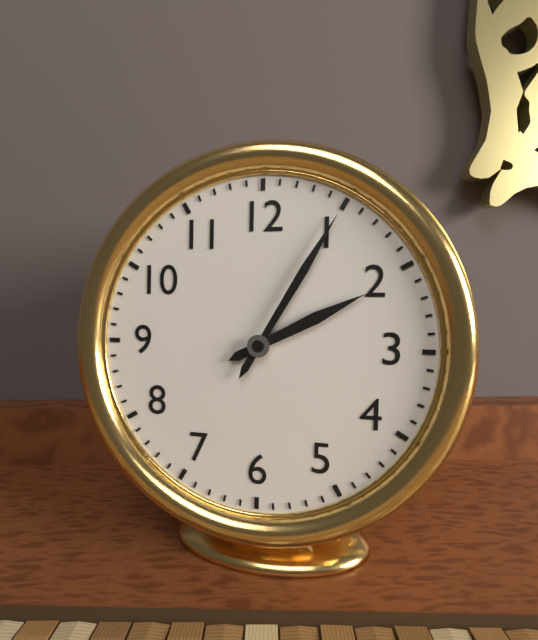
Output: h=2 m=5
